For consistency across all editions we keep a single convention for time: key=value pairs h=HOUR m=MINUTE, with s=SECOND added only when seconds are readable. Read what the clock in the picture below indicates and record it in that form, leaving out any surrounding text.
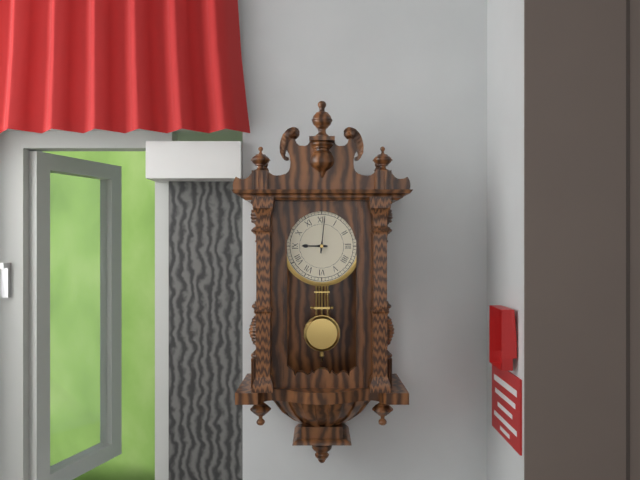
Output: h=9 m=1
